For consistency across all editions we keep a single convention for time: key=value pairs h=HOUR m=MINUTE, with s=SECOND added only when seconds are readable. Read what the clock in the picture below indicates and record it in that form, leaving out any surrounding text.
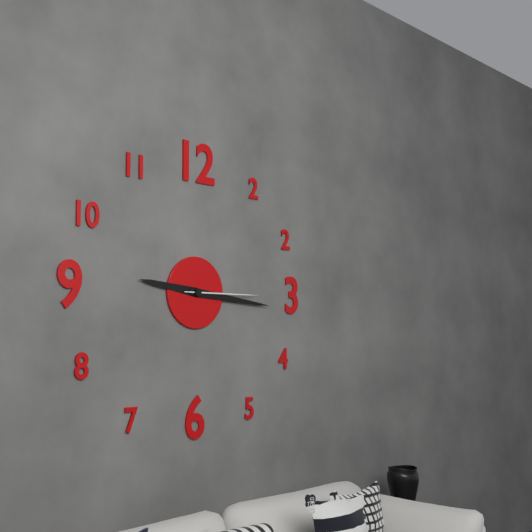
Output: h=9 m=16 s=15
